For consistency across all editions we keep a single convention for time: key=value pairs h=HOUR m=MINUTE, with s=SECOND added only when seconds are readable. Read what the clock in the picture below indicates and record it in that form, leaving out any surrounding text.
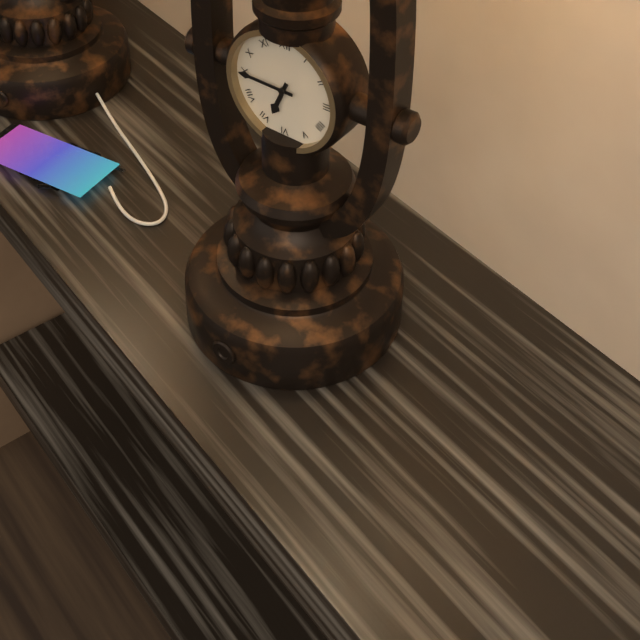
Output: h=6 m=45
